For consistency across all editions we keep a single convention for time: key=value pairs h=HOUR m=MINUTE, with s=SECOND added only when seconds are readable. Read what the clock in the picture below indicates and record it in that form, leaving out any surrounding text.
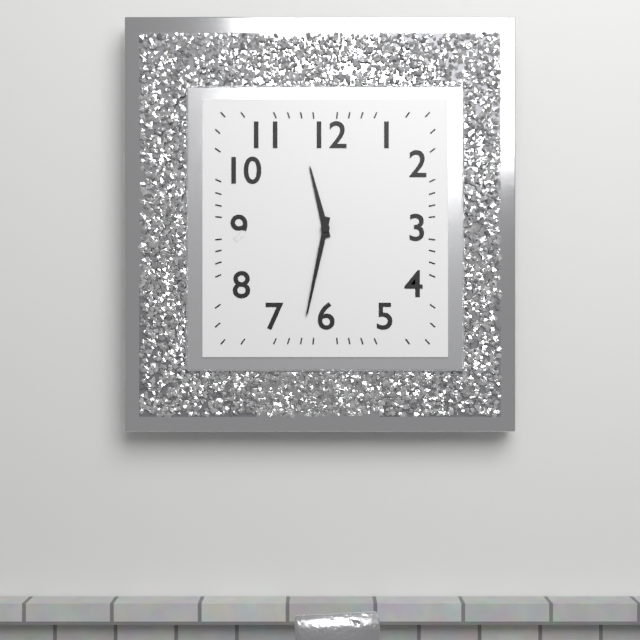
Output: h=11 m=32
